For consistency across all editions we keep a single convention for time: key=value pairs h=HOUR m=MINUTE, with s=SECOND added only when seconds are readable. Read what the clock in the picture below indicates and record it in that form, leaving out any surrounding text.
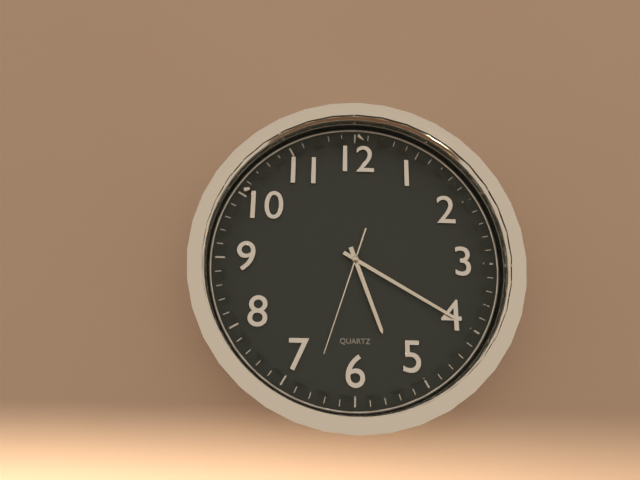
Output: h=5 m=20 s=33
